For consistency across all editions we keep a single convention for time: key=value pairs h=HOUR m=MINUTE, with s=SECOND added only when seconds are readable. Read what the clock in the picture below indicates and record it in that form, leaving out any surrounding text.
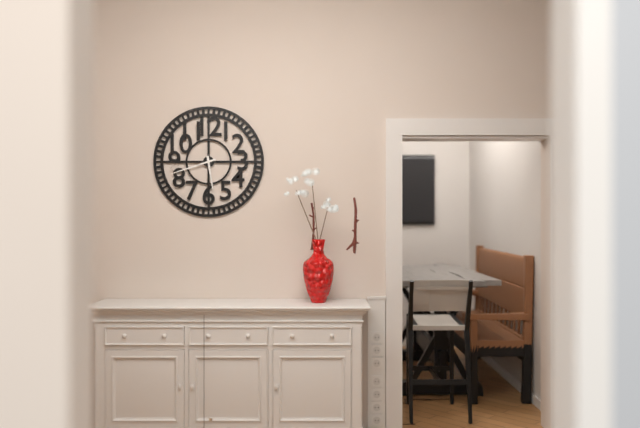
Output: h=5 m=42
